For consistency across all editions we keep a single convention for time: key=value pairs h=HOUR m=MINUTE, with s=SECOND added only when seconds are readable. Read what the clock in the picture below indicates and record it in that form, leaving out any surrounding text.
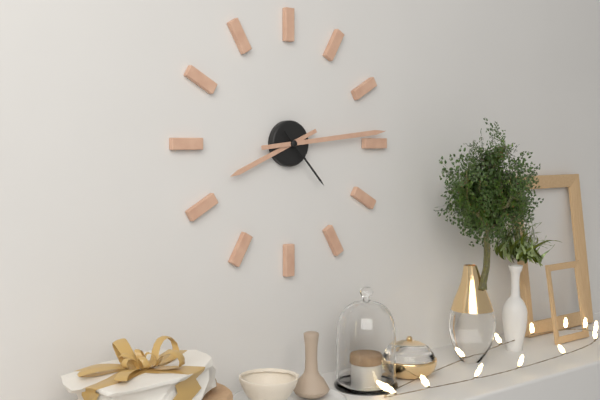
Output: h=8 m=14 s=23
